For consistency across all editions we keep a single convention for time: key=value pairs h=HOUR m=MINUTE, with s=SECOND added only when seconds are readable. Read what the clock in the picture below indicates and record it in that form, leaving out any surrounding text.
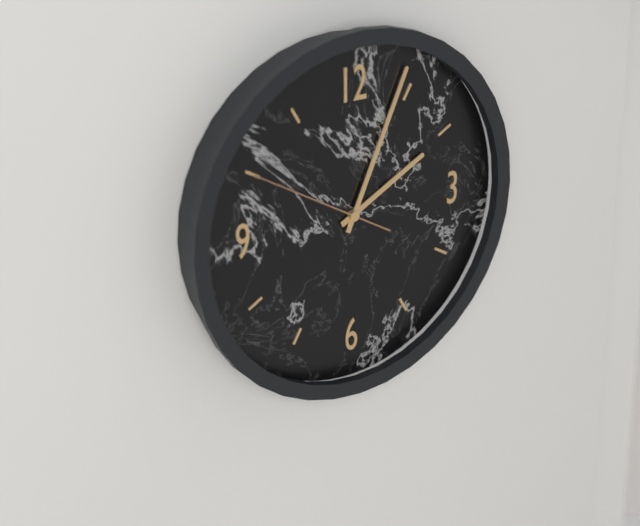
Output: h=2 m=4 s=50
